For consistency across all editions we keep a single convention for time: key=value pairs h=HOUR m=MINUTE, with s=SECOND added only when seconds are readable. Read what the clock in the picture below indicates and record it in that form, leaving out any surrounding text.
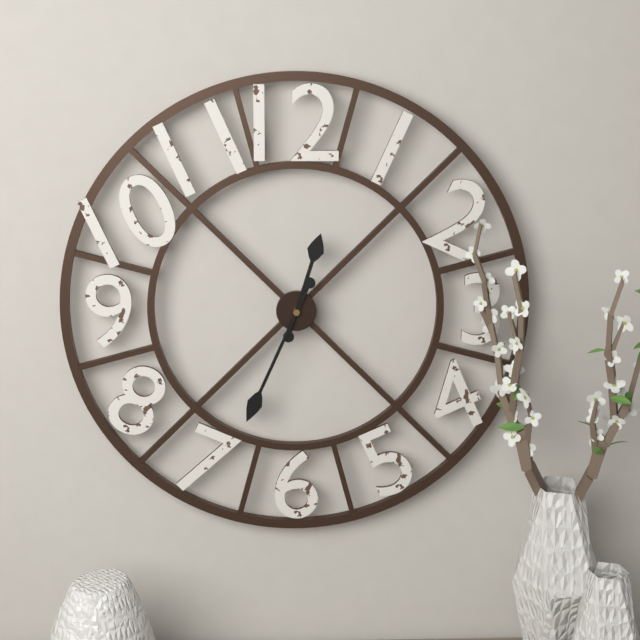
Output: h=12 m=34
